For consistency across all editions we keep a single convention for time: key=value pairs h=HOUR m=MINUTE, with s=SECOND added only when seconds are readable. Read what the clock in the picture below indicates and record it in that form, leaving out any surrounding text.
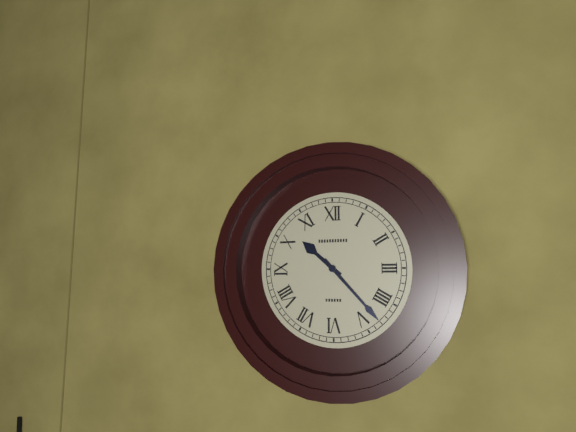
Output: h=10 m=23
